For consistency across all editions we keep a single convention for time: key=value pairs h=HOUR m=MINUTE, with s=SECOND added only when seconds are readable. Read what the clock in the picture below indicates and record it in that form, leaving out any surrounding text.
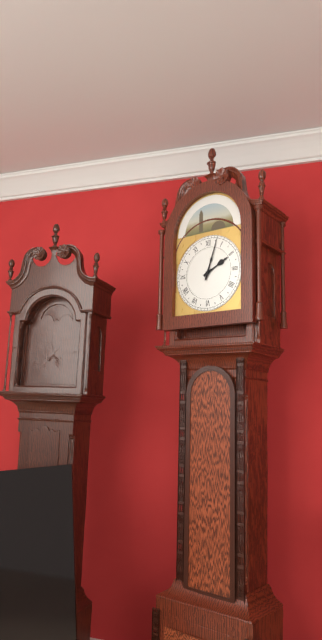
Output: h=2 m=3
